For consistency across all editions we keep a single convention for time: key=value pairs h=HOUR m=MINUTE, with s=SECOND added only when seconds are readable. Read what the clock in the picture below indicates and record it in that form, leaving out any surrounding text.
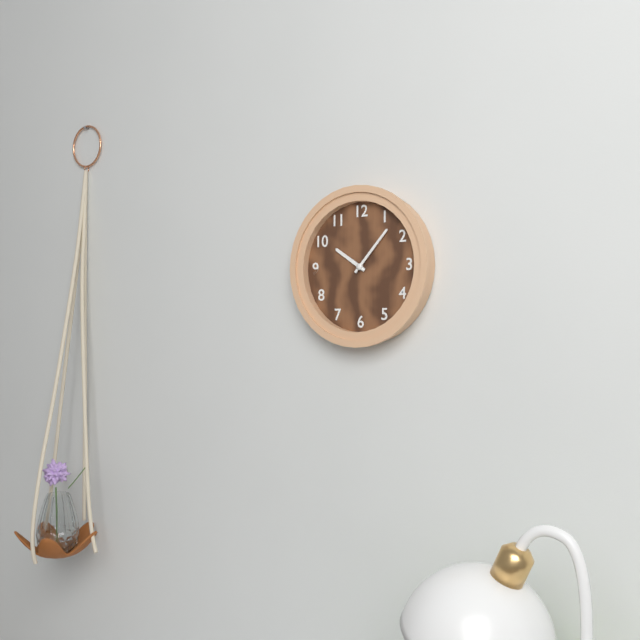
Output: h=10 m=7
